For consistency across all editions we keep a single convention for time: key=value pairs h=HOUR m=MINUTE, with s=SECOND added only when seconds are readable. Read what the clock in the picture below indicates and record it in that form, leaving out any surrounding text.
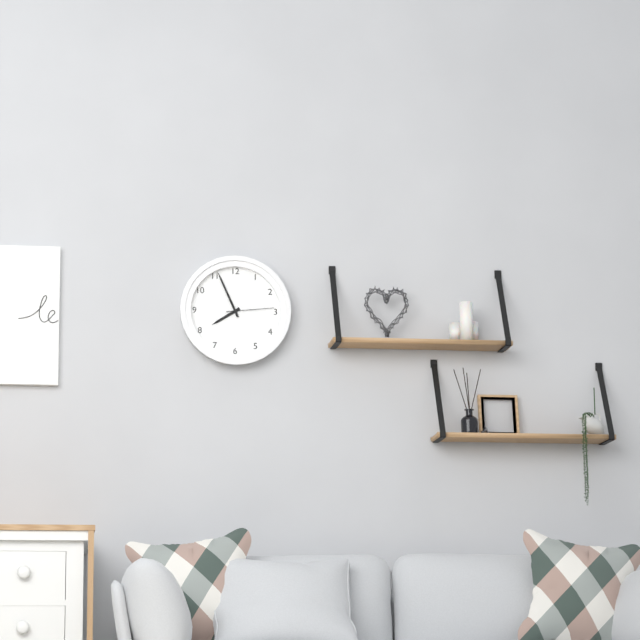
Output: h=7 m=56
